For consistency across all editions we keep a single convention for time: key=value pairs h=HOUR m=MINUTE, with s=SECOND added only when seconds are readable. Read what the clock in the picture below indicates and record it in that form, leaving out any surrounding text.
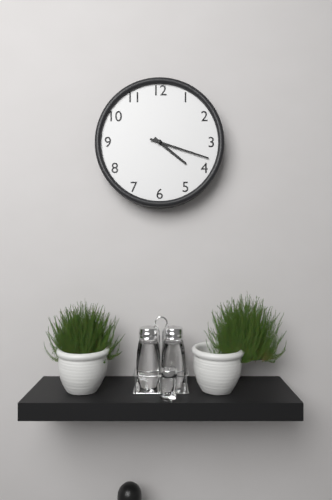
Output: h=4 m=18
